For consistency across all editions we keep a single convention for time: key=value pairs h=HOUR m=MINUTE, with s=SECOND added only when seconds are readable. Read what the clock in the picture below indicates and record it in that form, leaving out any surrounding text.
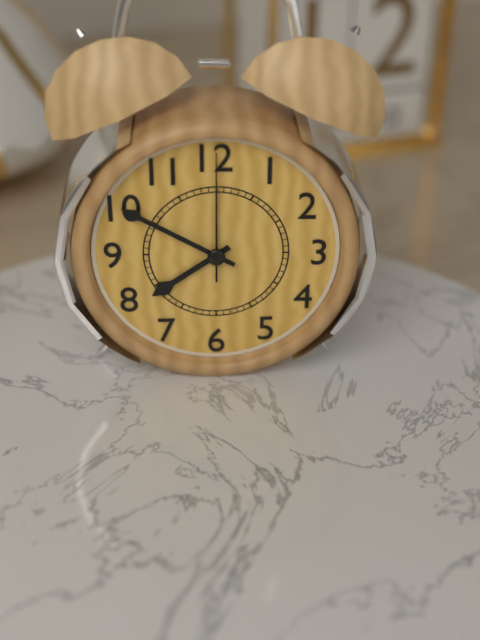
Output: h=7 m=50 s=0
